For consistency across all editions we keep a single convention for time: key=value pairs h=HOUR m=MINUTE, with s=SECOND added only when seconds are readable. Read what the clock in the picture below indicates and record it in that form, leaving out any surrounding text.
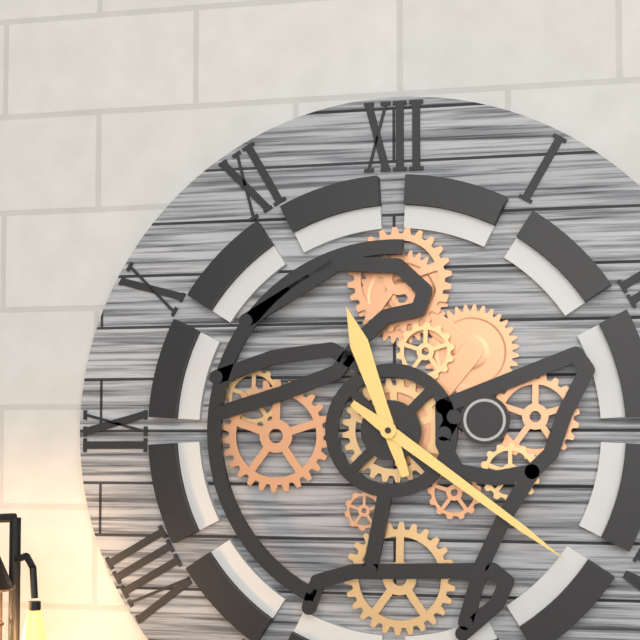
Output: h=11 m=21
